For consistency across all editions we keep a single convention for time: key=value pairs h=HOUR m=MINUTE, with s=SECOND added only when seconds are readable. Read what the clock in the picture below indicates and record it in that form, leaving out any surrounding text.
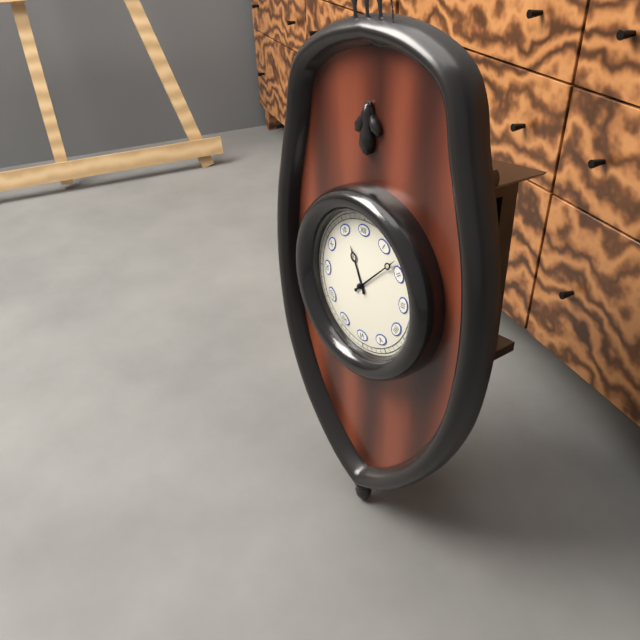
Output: h=11 m=8
